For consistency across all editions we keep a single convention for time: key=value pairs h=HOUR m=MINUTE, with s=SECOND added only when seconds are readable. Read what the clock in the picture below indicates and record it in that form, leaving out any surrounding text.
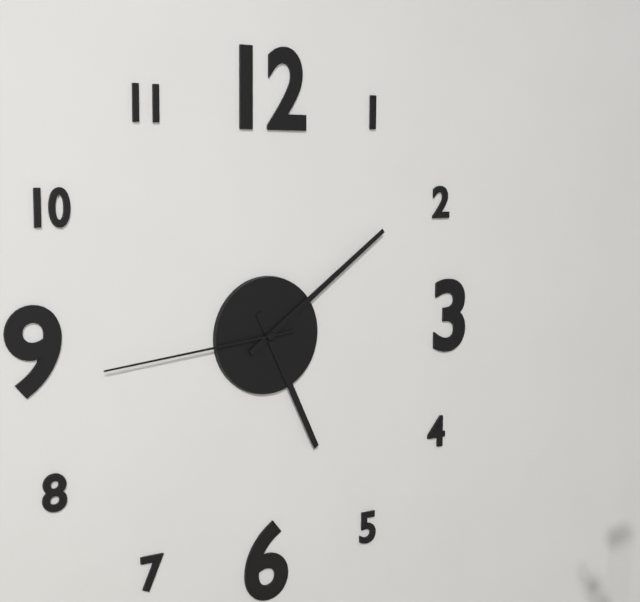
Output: h=5 m=9 s=44
